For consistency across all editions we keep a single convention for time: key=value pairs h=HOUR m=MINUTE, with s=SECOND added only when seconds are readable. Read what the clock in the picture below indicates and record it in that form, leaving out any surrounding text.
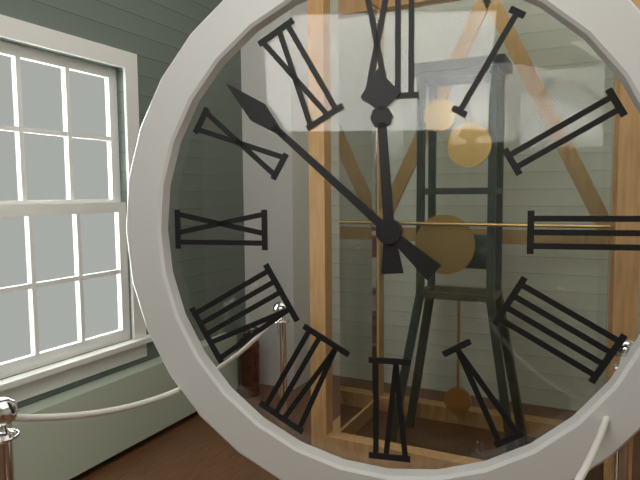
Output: h=11 m=52
